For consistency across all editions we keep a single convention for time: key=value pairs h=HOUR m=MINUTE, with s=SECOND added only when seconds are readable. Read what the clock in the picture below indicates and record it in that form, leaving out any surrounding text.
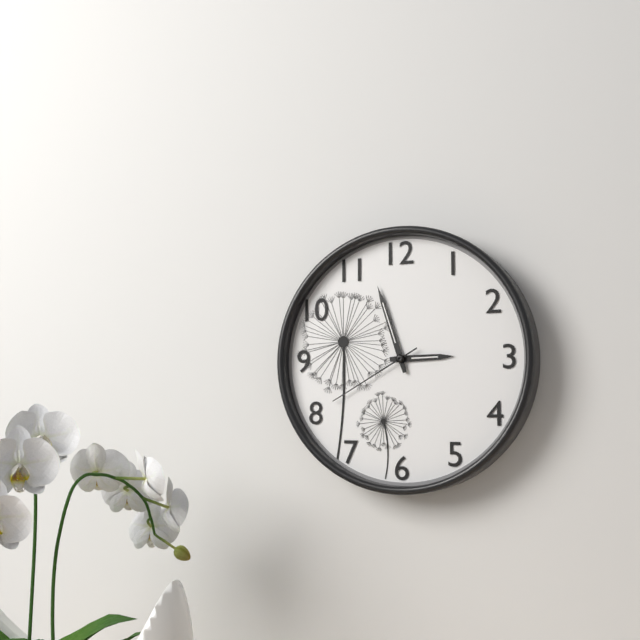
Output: h=2 m=57 s=40
